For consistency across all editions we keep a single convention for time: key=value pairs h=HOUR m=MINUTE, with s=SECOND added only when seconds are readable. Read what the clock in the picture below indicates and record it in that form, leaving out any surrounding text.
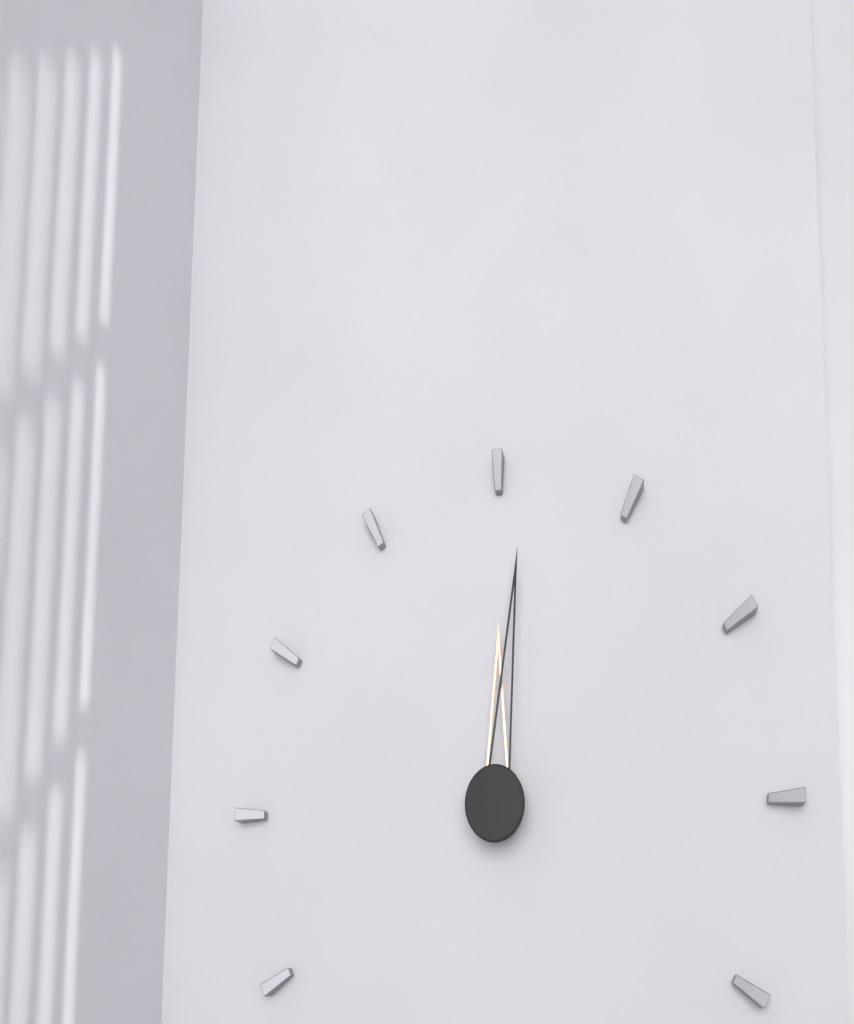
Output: h=12 m=1
